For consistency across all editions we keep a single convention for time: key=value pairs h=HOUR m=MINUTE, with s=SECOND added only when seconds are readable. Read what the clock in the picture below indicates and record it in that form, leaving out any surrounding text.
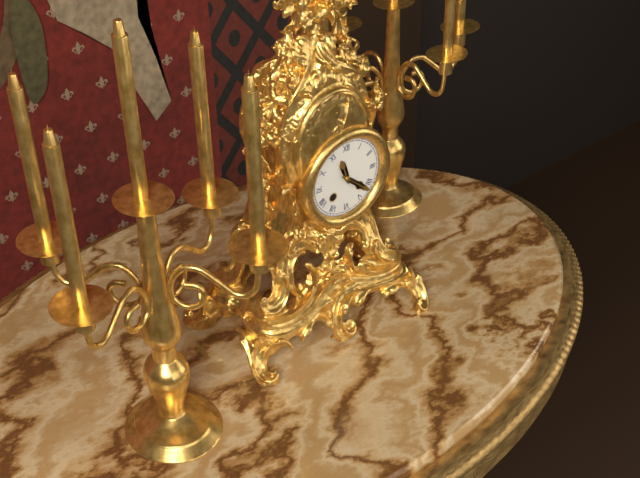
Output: h=11 m=22
